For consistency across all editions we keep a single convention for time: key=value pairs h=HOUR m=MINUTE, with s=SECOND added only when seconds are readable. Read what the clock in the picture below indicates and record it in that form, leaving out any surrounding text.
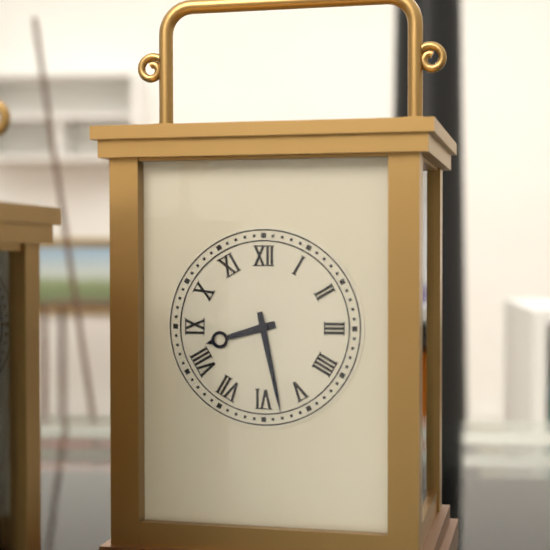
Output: h=8 m=28
